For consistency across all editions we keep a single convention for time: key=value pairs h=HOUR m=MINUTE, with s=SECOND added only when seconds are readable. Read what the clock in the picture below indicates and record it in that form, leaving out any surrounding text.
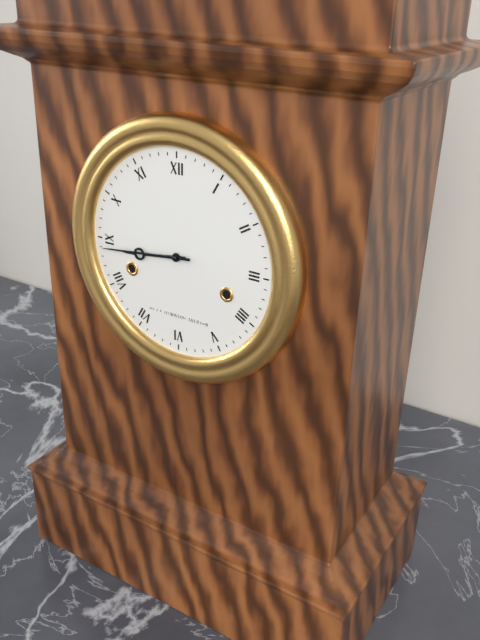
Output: h=8 m=44
